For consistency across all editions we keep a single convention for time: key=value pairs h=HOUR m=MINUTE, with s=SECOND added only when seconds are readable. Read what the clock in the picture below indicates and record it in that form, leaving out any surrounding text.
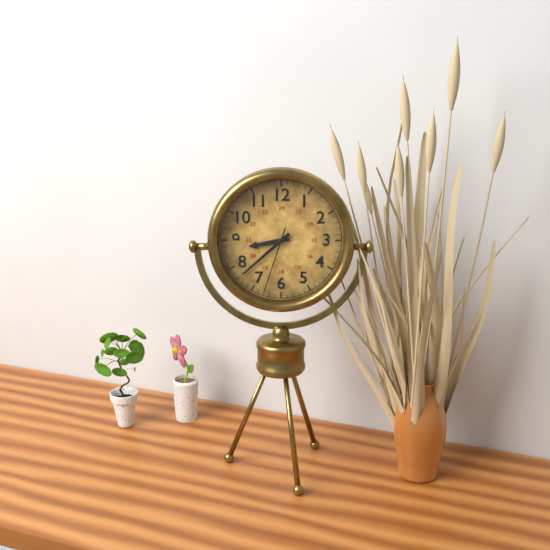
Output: h=8 m=38 s=33
